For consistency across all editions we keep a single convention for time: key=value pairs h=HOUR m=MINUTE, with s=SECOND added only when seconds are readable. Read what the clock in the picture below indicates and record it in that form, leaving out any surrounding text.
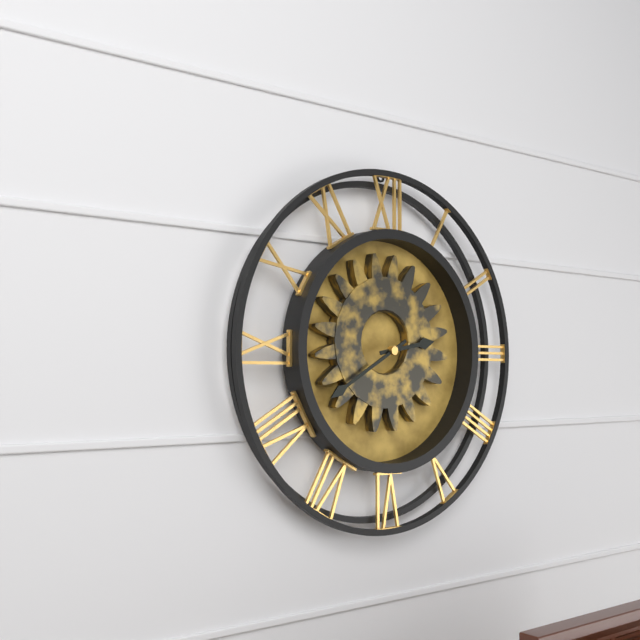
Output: h=2 m=40
